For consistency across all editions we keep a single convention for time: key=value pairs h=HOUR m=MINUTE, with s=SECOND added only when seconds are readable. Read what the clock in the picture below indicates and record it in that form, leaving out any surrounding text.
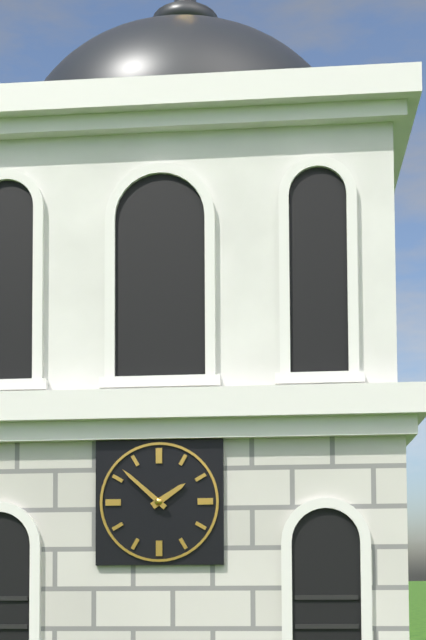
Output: h=1 m=52
